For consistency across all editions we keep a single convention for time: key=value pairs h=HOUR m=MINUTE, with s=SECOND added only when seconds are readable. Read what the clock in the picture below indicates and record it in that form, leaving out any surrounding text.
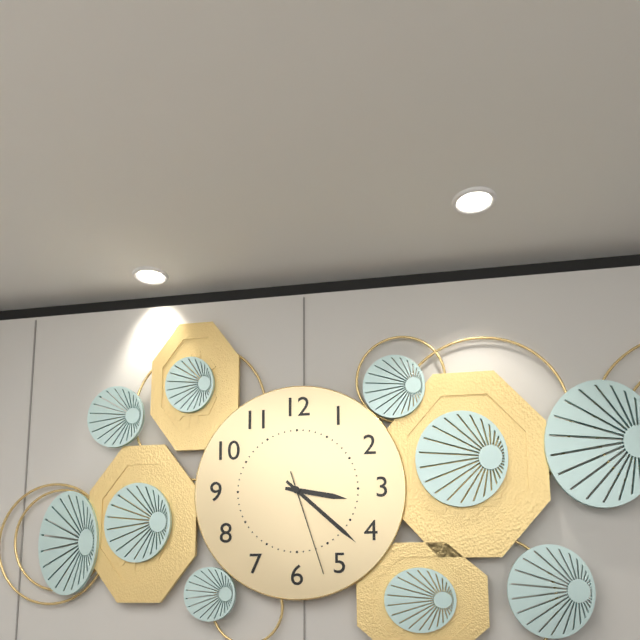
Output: h=3 m=22 s=27
